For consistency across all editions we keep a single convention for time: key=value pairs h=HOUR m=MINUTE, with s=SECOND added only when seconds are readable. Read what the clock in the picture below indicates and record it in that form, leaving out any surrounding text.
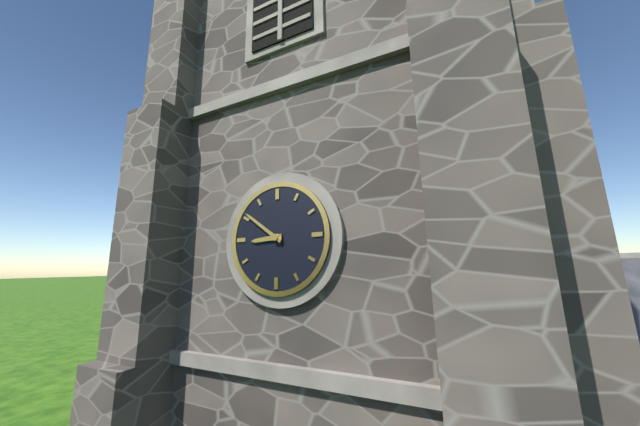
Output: h=8 m=51
